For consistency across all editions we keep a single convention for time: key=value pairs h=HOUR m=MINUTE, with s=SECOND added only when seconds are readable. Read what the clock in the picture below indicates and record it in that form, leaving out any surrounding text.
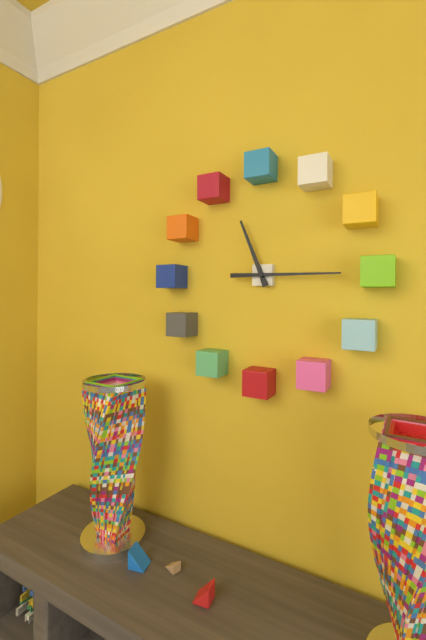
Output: h=11 m=15
